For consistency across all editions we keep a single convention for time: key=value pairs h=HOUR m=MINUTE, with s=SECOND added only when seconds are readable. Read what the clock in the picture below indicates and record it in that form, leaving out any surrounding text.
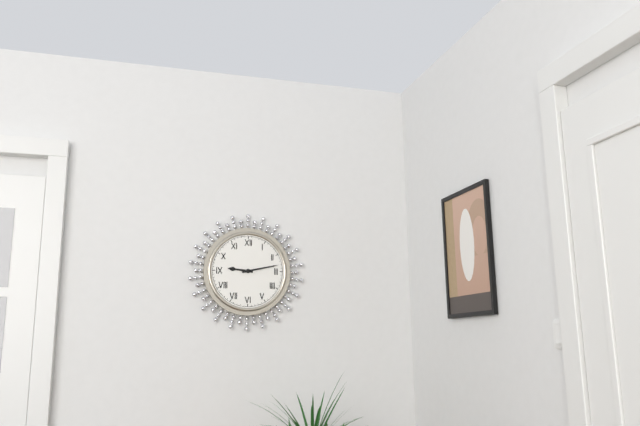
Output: h=9 m=13
